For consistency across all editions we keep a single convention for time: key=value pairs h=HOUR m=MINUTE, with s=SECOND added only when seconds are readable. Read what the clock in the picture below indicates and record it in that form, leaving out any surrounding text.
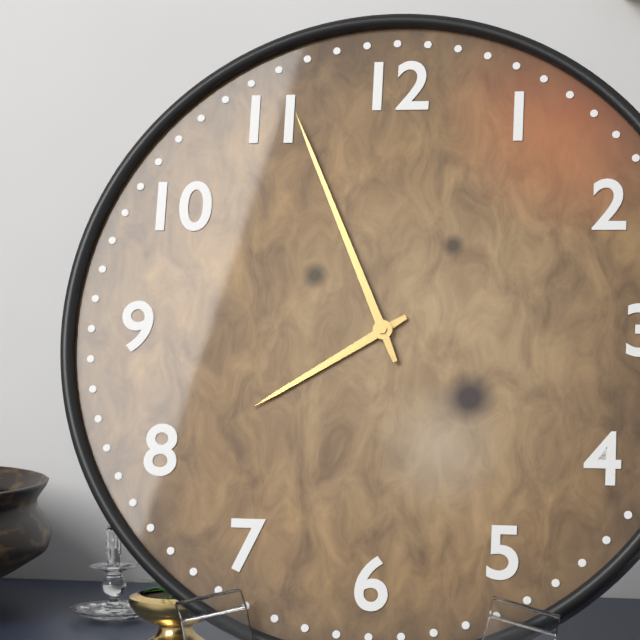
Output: h=7 m=56
